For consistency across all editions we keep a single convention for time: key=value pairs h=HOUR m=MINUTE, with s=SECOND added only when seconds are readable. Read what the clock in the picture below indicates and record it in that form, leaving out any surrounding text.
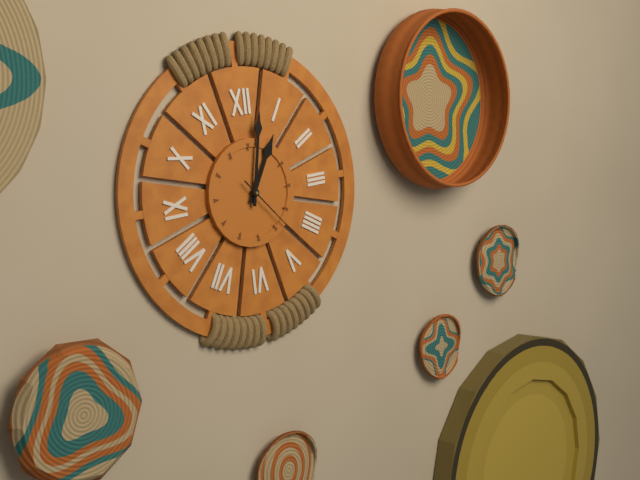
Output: h=1 m=2 s=23
